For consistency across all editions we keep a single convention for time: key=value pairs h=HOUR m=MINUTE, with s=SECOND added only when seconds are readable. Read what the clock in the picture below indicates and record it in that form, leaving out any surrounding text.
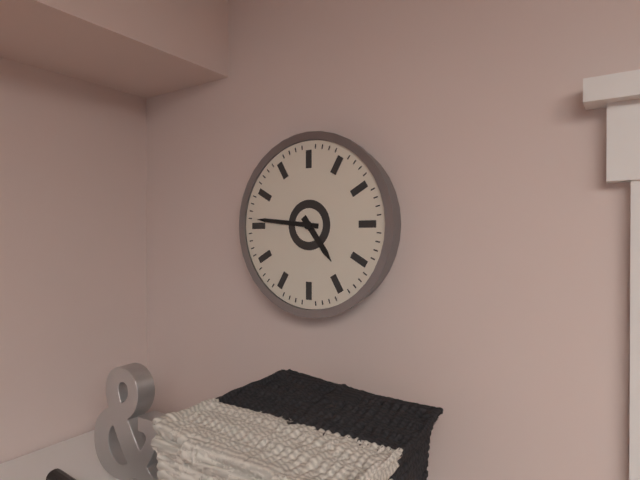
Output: h=4 m=46
